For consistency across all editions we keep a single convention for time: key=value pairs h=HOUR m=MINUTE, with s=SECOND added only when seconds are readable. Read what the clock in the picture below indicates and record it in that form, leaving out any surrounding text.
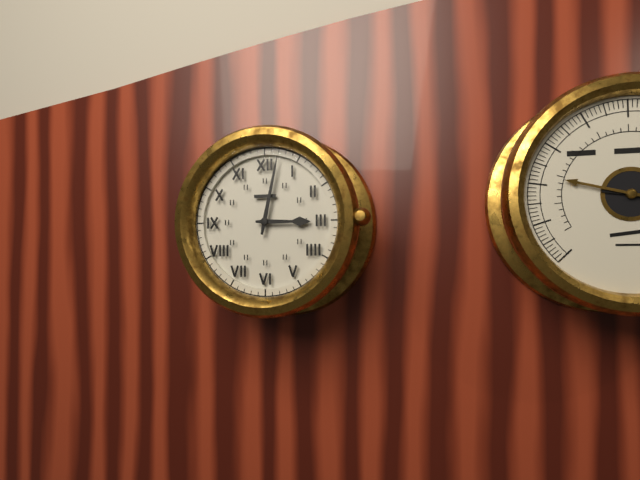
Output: h=3 m=2
